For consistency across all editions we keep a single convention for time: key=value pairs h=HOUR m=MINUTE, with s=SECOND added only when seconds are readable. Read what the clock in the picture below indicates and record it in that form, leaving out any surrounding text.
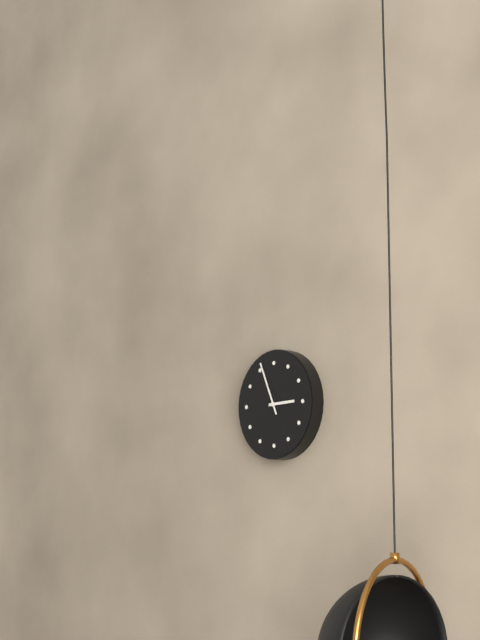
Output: h=2 m=56
